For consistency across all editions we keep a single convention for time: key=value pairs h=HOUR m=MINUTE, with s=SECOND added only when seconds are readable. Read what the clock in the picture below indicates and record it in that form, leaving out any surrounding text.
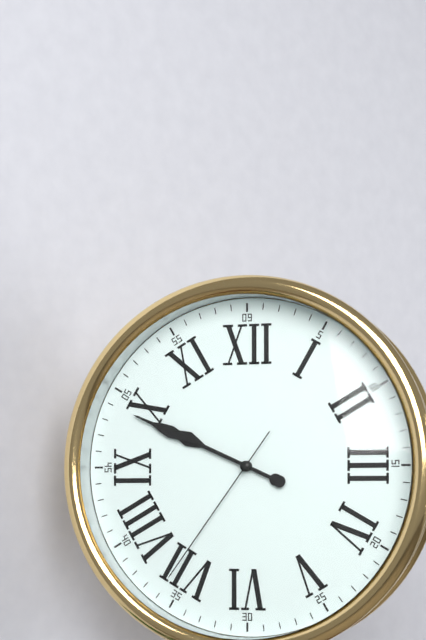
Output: h=9 m=49 s=36
